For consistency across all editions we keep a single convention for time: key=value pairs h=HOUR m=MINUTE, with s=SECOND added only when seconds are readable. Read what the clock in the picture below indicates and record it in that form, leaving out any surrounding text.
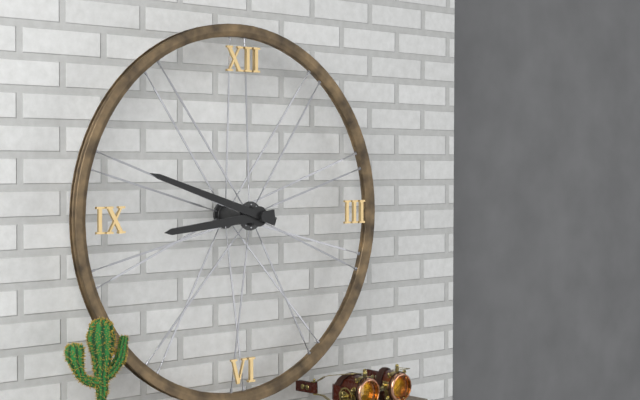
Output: h=8 m=48
